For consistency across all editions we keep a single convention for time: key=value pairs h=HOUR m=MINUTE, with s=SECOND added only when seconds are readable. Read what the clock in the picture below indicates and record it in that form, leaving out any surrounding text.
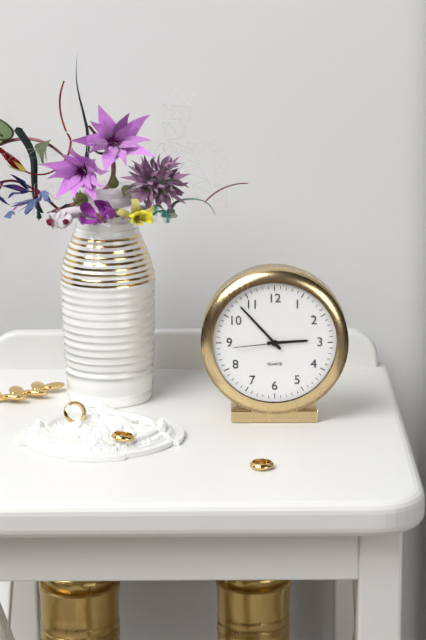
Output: h=2 m=53 s=44
